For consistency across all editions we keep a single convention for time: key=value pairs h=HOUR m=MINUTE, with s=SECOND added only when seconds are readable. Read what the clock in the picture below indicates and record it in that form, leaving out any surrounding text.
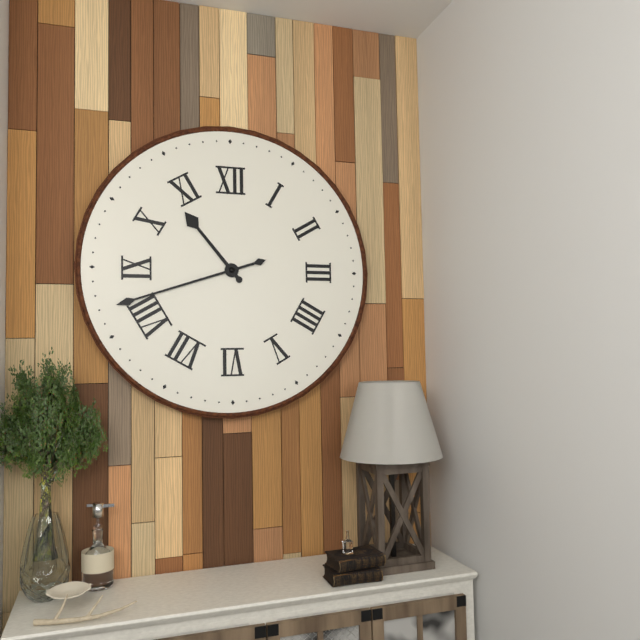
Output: h=10 m=42
